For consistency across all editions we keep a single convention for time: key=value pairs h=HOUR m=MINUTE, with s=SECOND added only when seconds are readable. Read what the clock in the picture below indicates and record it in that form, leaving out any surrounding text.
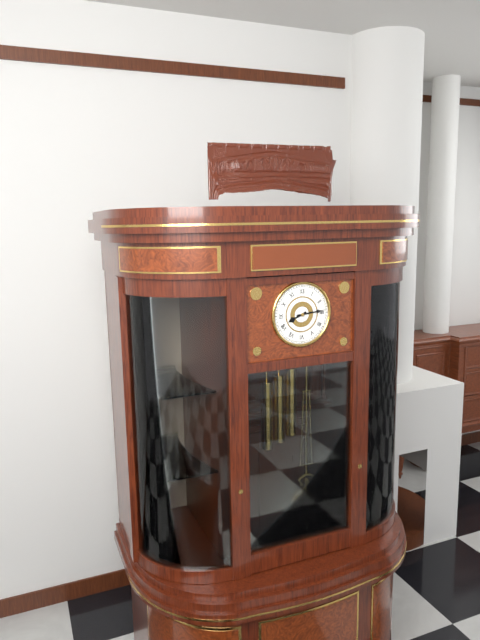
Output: h=8 m=14
